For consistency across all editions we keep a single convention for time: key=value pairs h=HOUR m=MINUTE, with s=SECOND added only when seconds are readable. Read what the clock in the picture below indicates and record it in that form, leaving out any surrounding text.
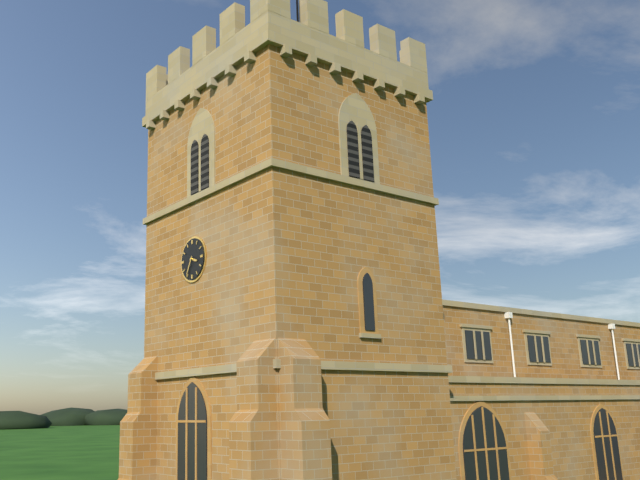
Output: h=3 m=35
